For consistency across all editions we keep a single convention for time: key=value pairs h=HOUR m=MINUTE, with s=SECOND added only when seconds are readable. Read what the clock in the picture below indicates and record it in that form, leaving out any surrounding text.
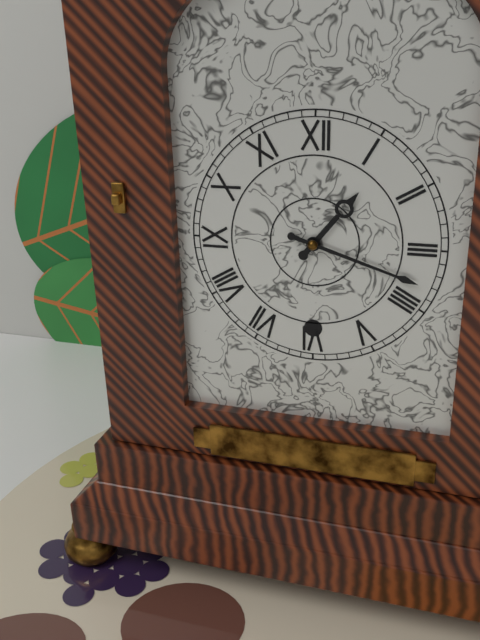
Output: h=1 m=18
